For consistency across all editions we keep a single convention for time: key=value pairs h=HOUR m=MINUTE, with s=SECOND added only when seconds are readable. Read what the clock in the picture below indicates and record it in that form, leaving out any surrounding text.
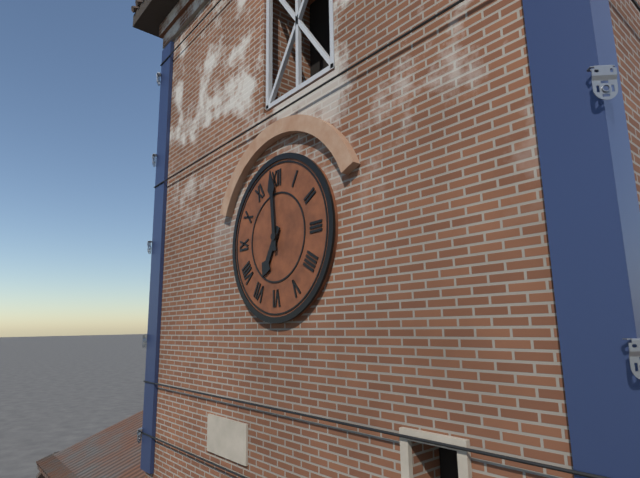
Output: h=6 m=59
